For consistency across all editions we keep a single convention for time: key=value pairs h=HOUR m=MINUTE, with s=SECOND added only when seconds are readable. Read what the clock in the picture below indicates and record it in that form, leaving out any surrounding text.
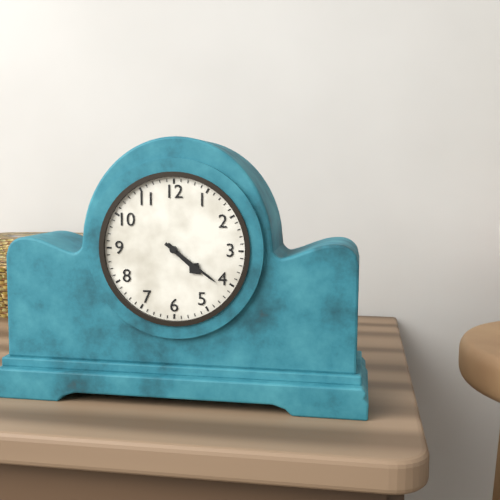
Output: h=4 m=21
